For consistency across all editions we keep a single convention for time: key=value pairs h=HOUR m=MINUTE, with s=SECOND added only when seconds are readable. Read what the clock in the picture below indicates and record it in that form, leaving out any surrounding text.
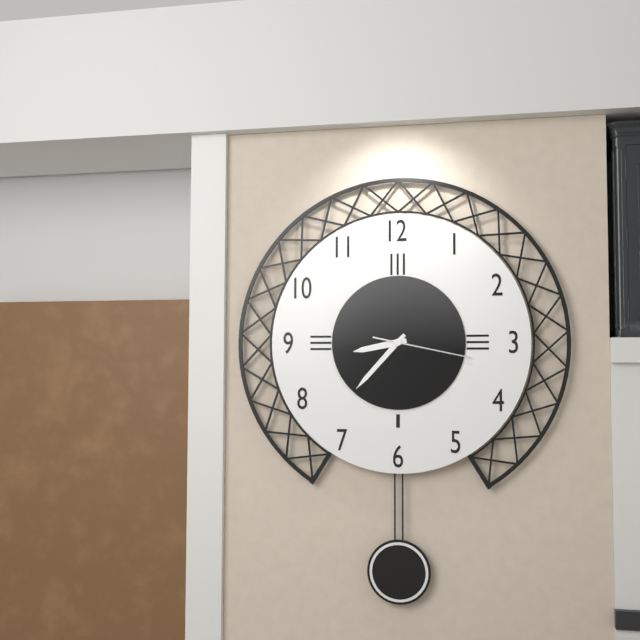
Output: h=8 m=37 s=17
